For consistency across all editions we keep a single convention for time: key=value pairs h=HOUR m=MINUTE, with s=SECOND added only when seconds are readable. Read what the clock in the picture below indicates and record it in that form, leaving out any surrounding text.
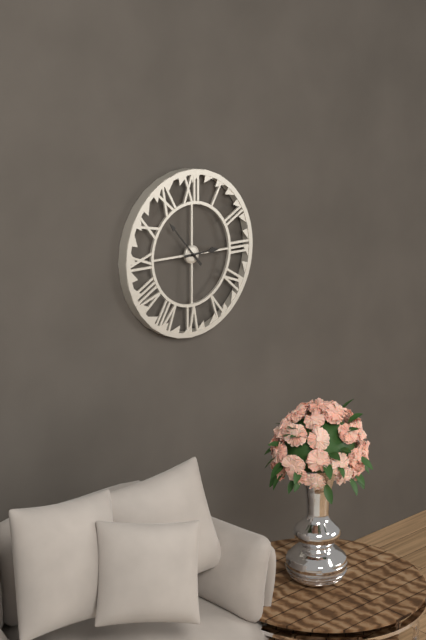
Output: h=2 m=53
